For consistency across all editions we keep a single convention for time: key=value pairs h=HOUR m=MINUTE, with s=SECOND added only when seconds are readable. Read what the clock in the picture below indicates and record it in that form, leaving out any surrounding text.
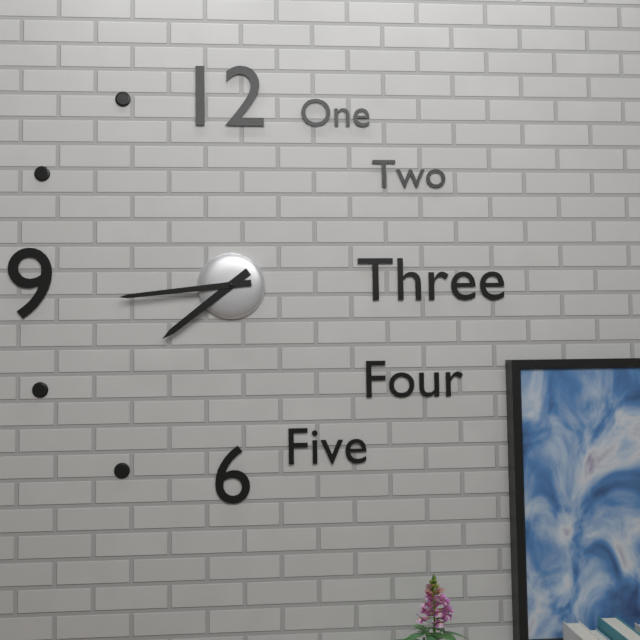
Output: h=7 m=44
